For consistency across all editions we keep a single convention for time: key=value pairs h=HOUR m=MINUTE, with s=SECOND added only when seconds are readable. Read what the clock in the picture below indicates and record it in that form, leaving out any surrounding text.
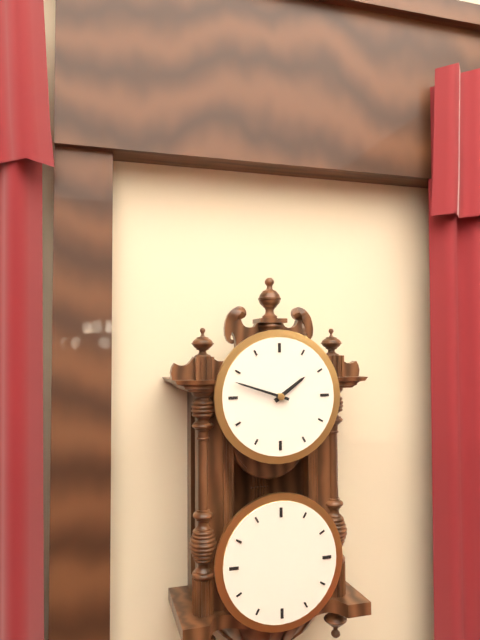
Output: h=1 m=48
